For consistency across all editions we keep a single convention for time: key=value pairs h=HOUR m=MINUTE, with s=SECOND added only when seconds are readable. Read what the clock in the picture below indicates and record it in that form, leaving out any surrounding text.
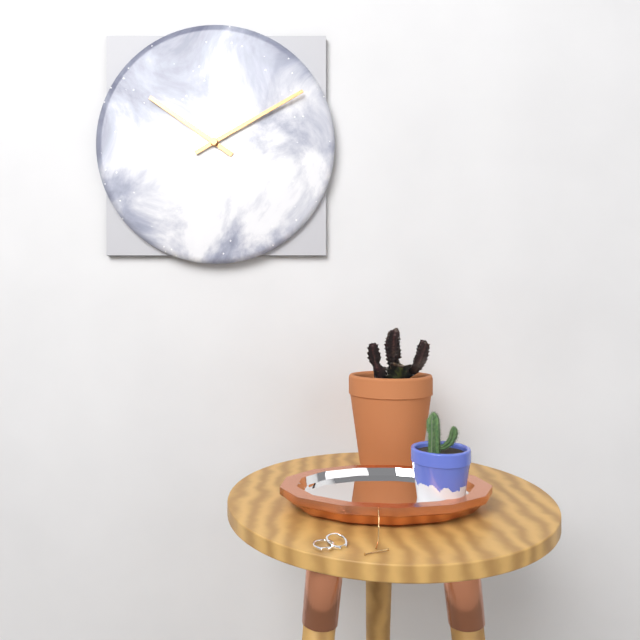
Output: h=10 m=10
